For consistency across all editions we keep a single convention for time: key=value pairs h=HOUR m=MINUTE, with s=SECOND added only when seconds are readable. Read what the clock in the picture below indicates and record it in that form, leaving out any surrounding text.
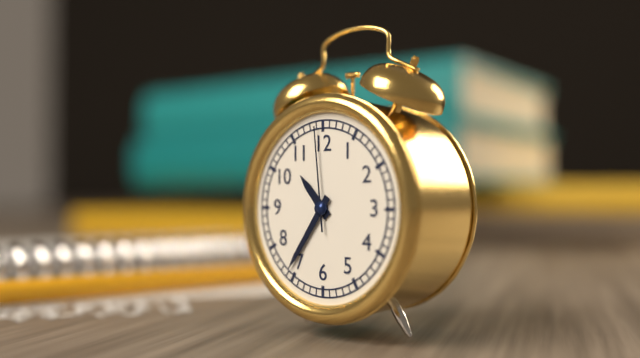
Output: h=10 m=36 s=59
